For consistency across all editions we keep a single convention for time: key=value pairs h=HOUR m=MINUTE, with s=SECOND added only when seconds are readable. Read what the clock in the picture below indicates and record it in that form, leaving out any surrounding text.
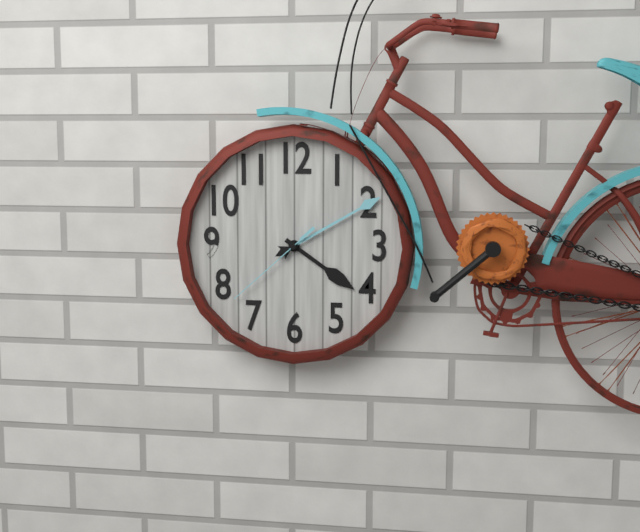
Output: h=4 m=10 s=38
